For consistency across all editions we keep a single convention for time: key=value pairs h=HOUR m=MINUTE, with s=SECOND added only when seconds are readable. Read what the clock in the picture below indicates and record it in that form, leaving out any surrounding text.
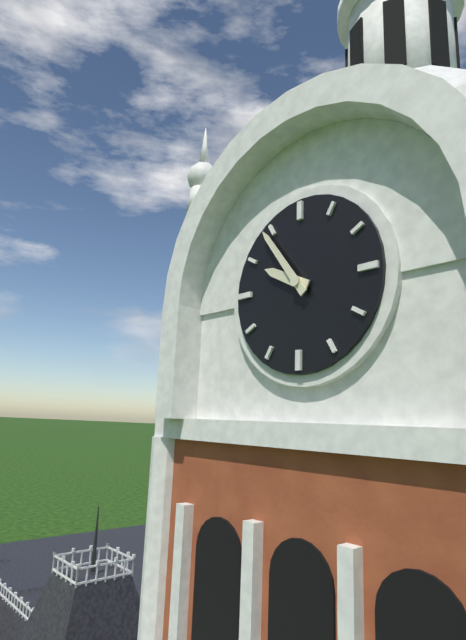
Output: h=9 m=54
